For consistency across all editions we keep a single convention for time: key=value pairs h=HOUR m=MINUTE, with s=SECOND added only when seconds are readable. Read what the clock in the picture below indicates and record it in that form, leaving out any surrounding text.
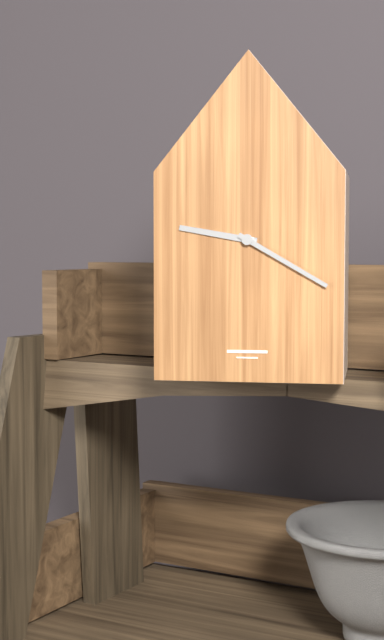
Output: h=9 m=20
